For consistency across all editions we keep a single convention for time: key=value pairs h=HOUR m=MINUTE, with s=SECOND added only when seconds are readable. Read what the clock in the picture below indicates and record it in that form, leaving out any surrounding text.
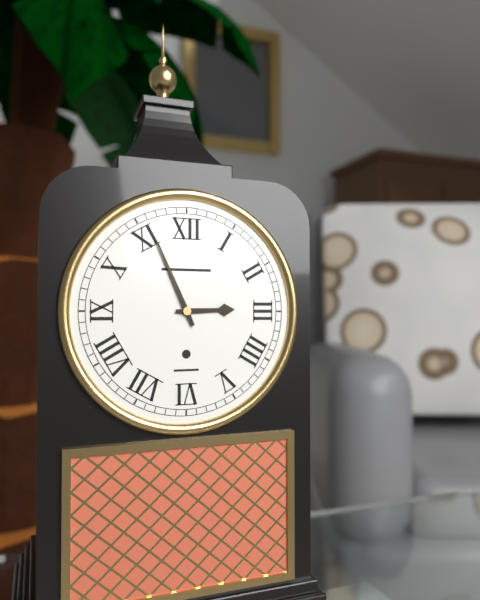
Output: h=2 m=56
